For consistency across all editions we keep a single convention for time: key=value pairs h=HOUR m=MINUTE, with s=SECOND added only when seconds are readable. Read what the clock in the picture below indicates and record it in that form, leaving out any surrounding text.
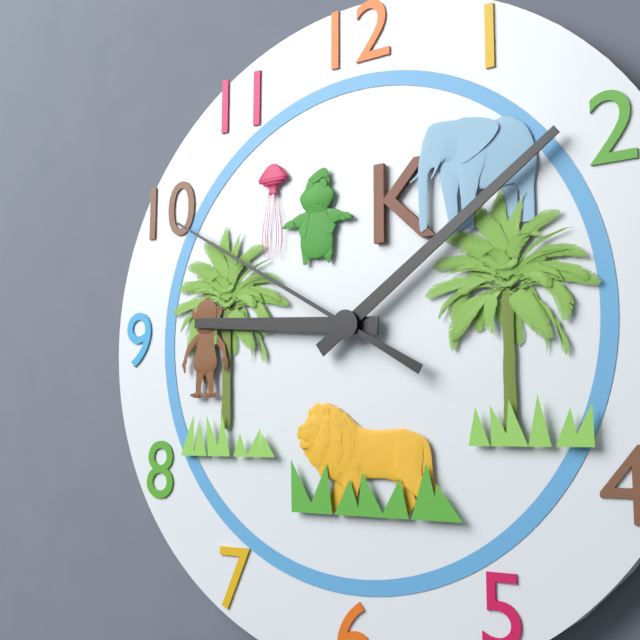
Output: h=9 m=9 s=50
